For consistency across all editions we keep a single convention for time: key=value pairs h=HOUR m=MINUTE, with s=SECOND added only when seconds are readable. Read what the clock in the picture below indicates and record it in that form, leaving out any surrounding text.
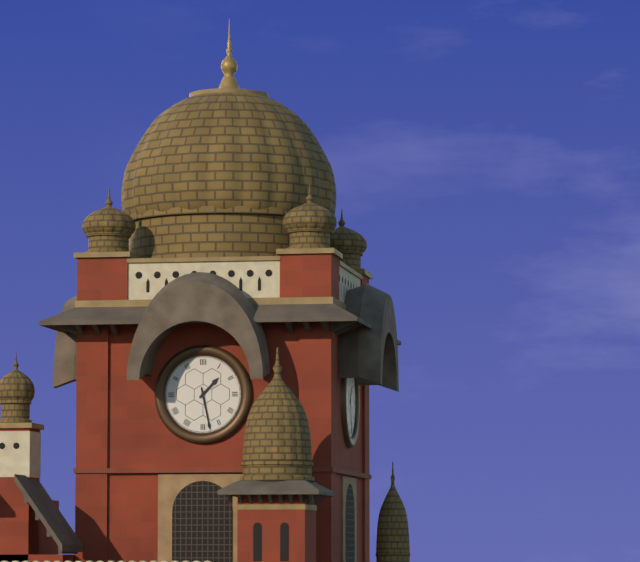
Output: h=1 m=28
